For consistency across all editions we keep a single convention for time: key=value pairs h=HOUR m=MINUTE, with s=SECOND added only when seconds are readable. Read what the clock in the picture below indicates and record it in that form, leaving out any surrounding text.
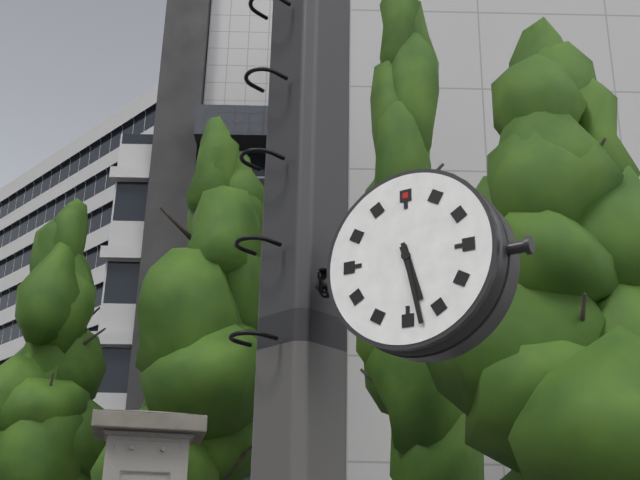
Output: h=5 m=28
